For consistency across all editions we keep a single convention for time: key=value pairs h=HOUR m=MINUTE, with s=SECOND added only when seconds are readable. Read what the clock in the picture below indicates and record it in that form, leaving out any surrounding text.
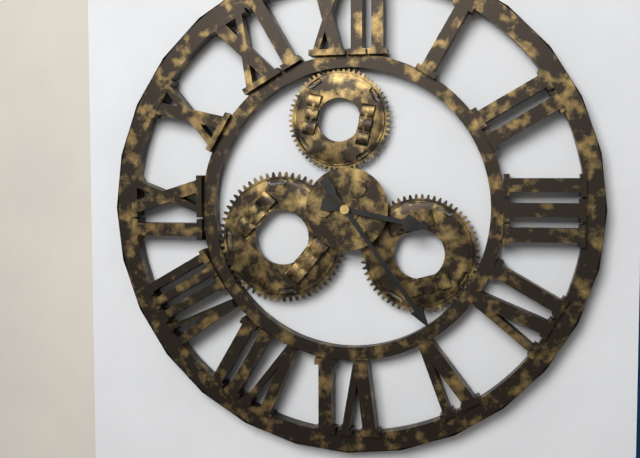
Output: h=3 m=24
